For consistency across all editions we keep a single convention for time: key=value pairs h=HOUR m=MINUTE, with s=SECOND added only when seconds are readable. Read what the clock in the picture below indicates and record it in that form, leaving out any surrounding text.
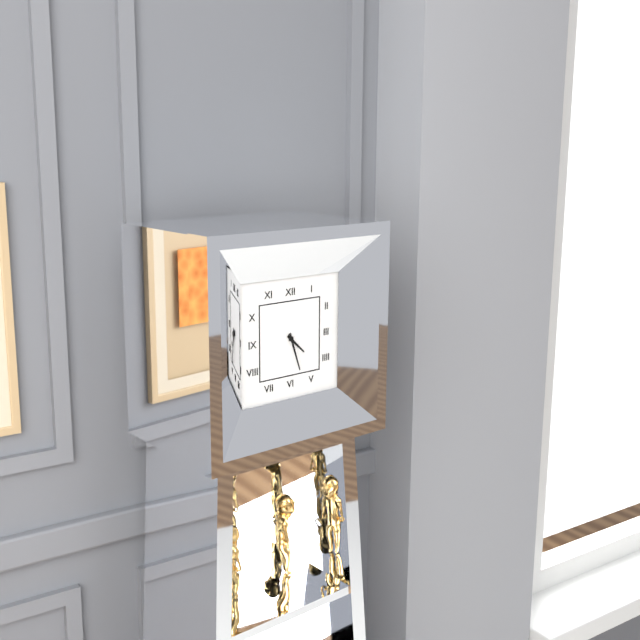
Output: h=4 m=27
